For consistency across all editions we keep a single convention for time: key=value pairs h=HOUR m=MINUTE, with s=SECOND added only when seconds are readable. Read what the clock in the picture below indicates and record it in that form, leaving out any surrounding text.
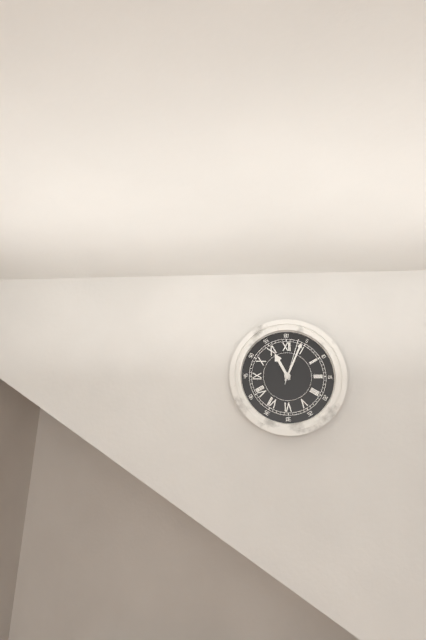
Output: h=11 m=4
